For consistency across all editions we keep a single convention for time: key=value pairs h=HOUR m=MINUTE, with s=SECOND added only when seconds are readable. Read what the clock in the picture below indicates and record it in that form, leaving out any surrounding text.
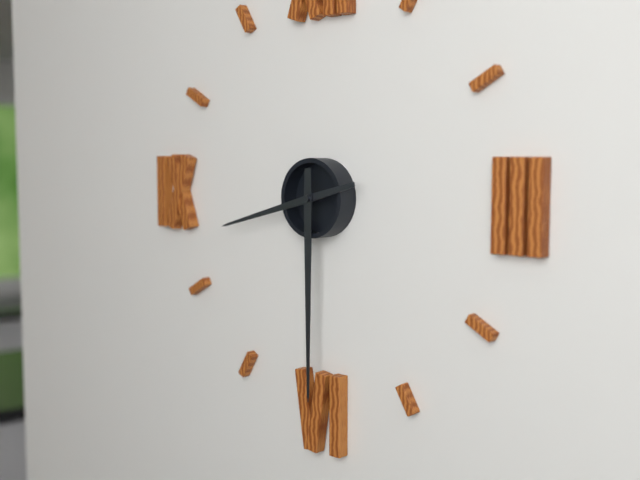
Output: h=8 m=30
